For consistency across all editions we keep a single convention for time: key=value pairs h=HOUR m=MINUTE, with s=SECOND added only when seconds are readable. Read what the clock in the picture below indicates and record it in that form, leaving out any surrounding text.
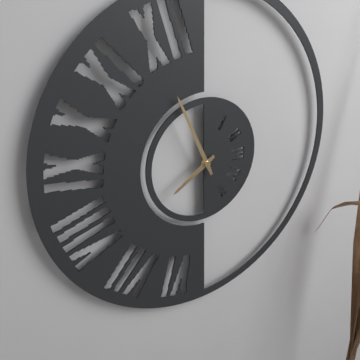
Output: h=7 m=56
